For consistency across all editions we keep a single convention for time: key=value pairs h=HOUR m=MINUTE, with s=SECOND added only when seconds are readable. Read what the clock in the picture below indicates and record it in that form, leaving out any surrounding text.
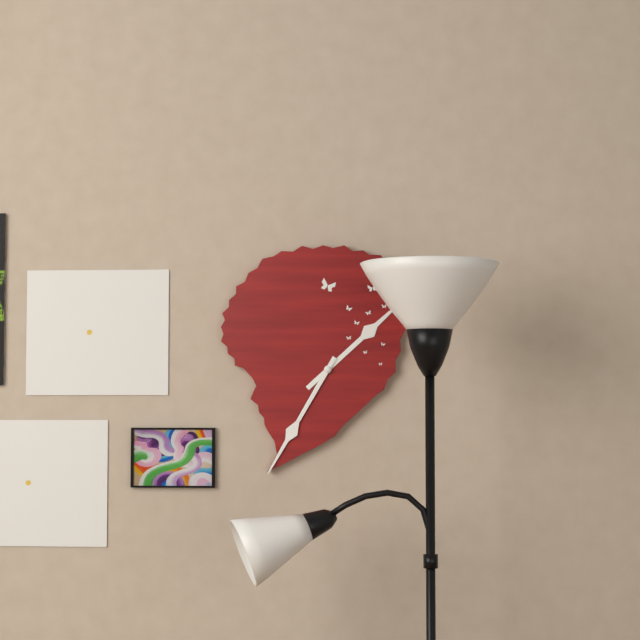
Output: h=1 m=35
